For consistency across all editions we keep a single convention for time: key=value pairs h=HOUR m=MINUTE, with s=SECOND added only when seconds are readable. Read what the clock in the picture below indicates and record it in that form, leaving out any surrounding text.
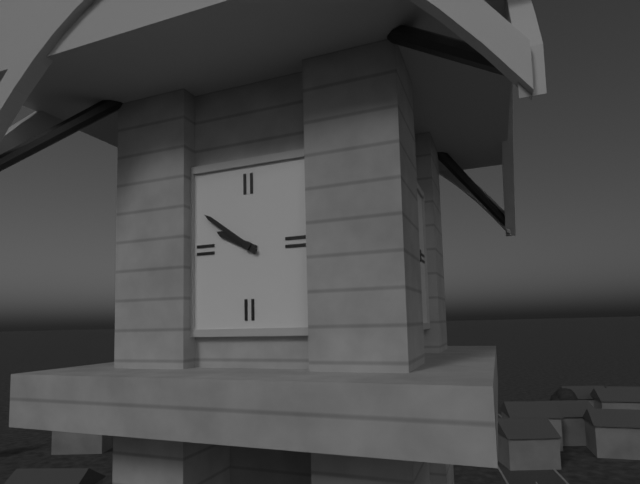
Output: h=9 m=51
